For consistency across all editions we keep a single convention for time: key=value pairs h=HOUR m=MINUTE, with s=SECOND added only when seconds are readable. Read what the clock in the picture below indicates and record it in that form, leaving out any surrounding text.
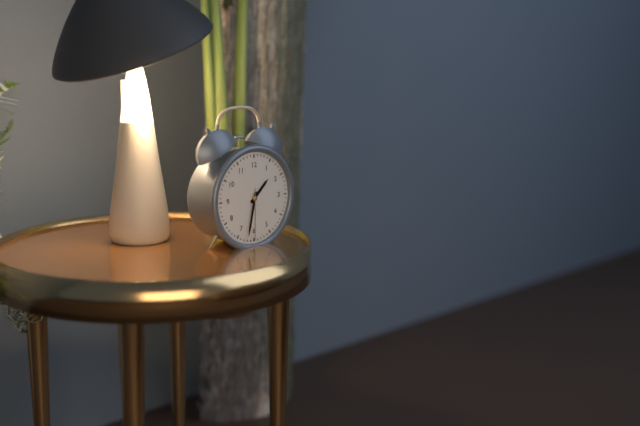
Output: h=1 m=32 s=30
